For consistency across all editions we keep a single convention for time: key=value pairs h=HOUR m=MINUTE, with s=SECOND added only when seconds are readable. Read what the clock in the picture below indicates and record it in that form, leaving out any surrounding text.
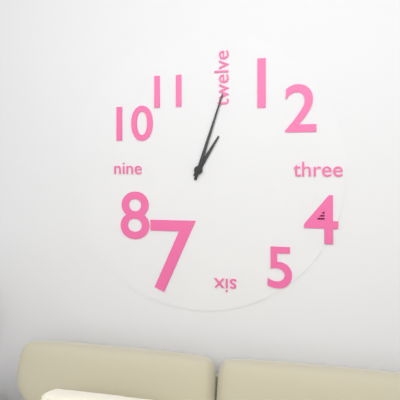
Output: h=1 m=3
